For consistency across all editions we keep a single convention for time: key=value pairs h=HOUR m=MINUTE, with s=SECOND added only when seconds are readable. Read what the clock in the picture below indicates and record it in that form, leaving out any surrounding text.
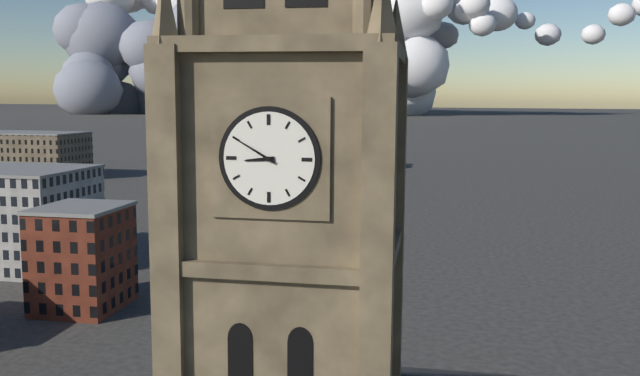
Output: h=8 m=50
